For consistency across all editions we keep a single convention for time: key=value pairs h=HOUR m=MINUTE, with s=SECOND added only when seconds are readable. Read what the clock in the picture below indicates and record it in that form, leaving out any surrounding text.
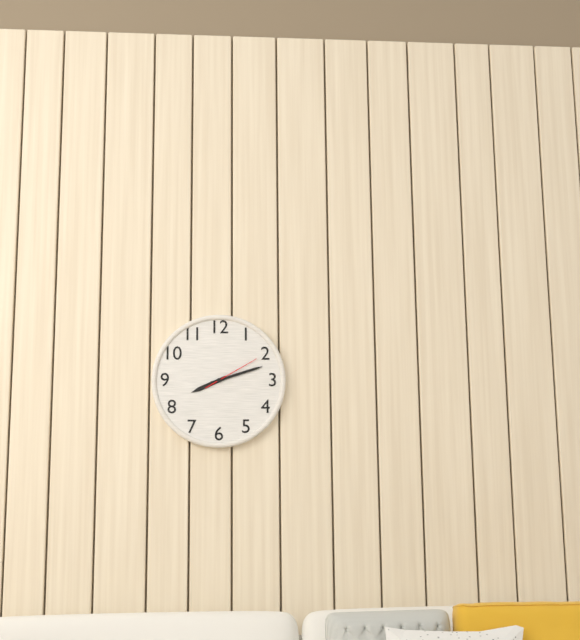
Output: h=8 m=12 s=10
